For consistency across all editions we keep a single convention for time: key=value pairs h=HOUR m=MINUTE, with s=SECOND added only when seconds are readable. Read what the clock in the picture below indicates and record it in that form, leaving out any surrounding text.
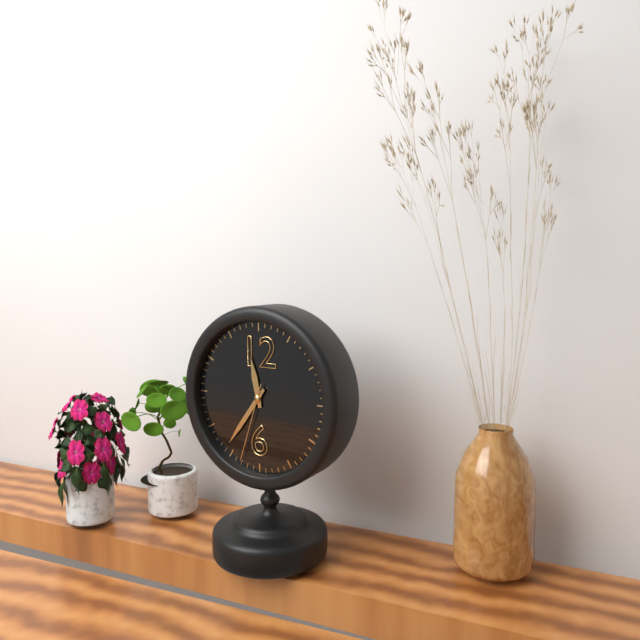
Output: h=11 m=36 s=33
